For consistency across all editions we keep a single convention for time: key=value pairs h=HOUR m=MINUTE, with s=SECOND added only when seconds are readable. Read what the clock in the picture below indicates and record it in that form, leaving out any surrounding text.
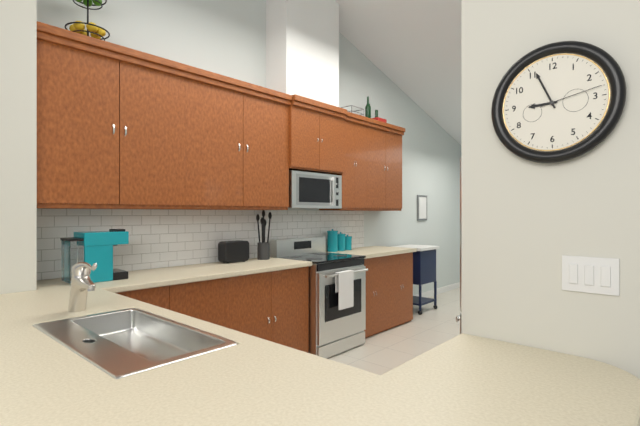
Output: h=8 m=56 s=13
